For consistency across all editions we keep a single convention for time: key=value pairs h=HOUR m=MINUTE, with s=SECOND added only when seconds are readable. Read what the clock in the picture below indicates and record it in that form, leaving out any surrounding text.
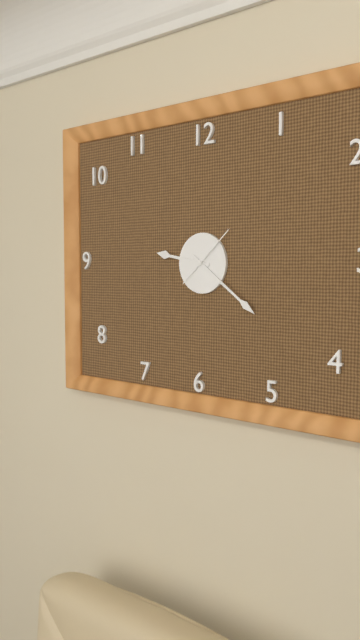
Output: h=9 m=21 s=8
